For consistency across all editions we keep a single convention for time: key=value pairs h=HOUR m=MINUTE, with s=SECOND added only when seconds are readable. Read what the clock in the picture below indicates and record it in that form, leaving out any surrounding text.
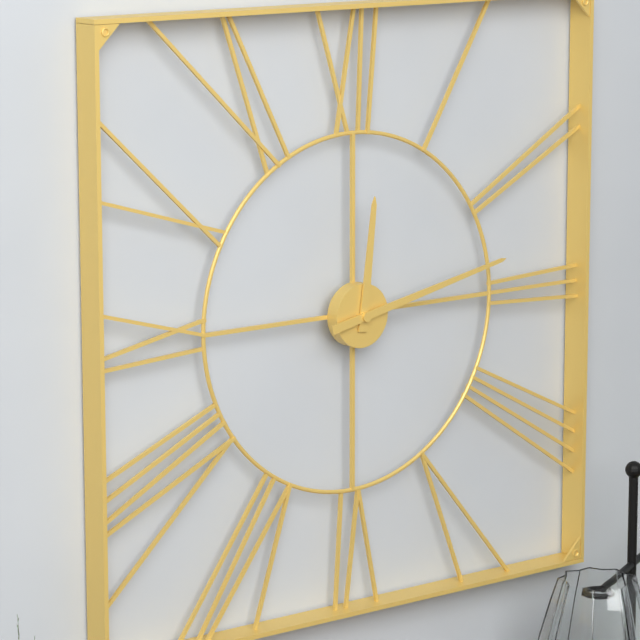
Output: h=12 m=13
